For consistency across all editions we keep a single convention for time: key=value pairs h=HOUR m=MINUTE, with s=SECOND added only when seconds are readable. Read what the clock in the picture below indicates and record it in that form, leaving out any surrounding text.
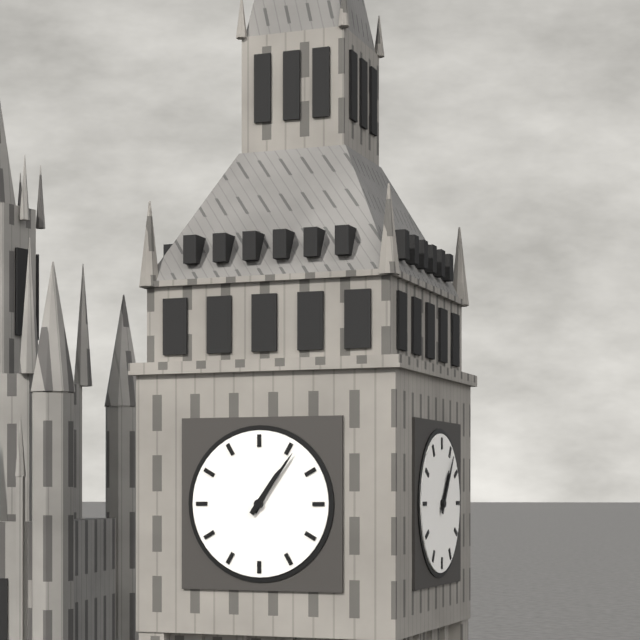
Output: h=1 m=6
